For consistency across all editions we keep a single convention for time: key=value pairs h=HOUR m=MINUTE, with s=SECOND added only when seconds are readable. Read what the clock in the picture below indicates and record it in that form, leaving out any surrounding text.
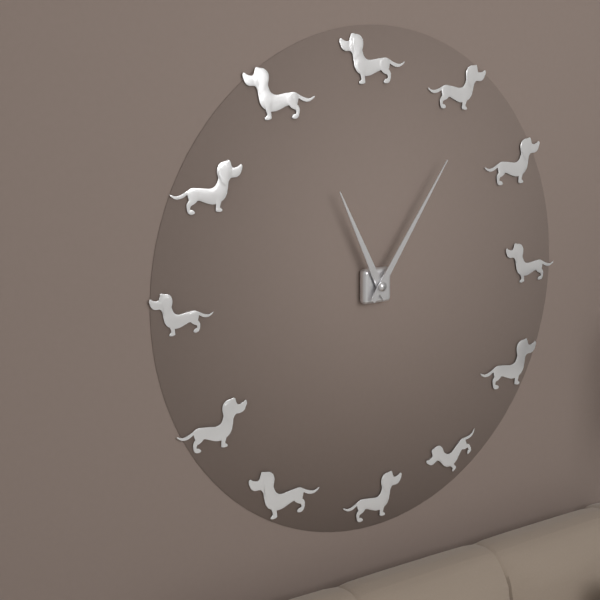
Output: h=11 m=6
